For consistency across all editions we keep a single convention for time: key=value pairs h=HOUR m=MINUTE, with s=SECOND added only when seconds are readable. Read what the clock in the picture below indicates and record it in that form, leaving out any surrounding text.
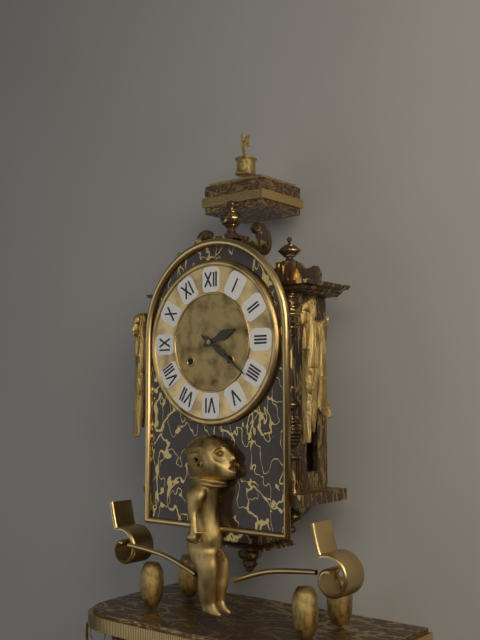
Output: h=2 m=21
